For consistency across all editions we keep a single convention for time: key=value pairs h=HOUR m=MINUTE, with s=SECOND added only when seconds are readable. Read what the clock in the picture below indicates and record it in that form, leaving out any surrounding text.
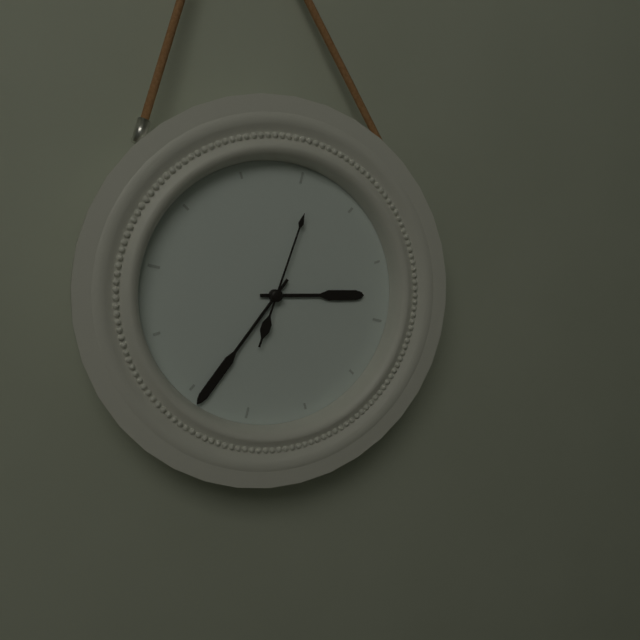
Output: h=2 m=34 s=1
